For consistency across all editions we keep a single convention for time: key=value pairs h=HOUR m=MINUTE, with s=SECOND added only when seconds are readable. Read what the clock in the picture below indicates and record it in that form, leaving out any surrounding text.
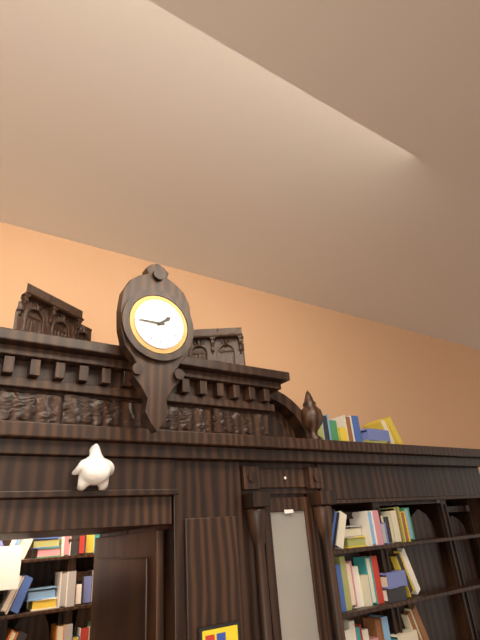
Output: h=1 m=45
